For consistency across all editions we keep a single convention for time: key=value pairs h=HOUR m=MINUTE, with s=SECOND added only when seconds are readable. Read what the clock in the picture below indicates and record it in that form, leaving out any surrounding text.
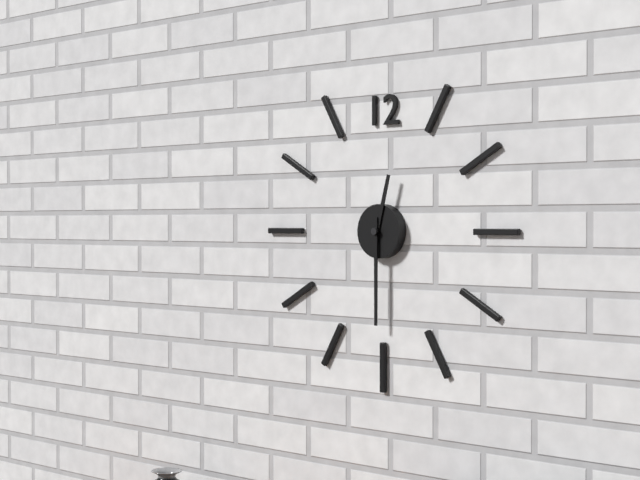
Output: h=12 m=30
